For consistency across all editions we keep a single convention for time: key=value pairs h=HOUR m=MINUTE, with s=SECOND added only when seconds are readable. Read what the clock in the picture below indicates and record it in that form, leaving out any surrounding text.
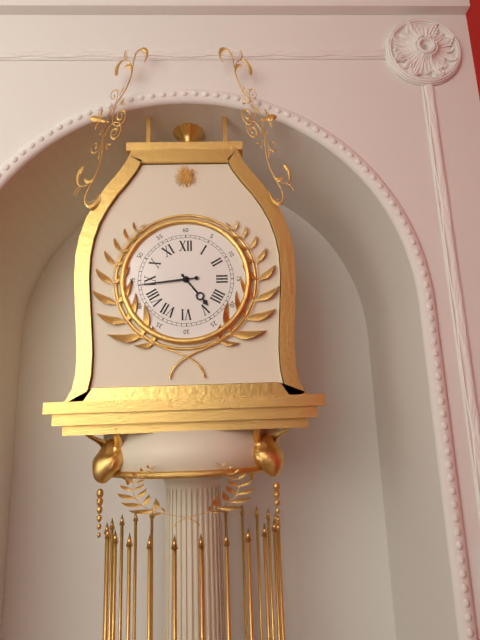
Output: h=4 m=44
